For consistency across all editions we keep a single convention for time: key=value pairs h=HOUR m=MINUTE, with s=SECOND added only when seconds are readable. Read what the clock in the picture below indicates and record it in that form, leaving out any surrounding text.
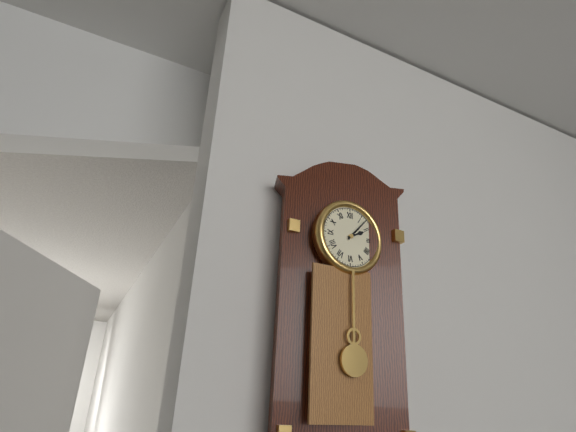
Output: h=2 m=7
